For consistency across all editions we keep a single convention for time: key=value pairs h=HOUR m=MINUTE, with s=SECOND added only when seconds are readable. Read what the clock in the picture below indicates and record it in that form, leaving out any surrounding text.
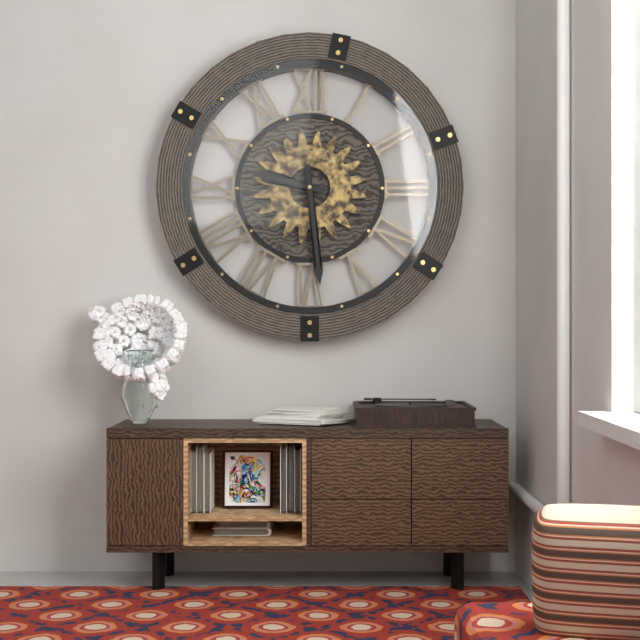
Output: h=9 m=29
